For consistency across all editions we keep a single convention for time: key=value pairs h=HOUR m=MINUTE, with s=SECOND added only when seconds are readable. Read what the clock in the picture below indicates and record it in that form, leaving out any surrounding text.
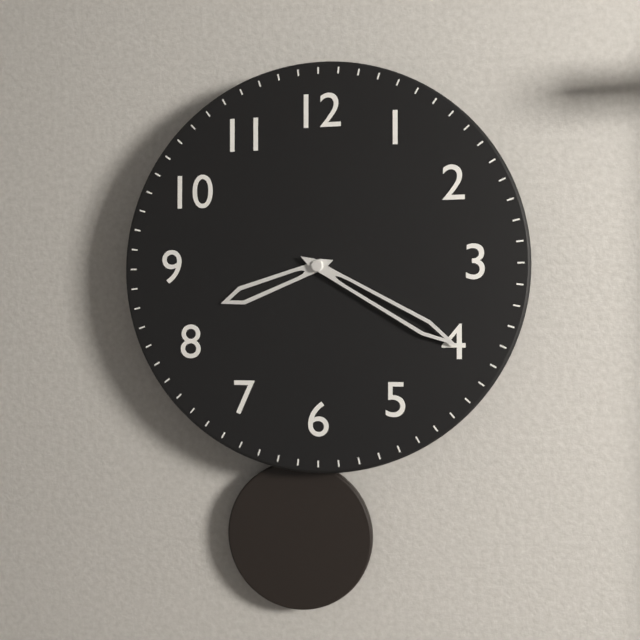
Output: h=8 m=20
